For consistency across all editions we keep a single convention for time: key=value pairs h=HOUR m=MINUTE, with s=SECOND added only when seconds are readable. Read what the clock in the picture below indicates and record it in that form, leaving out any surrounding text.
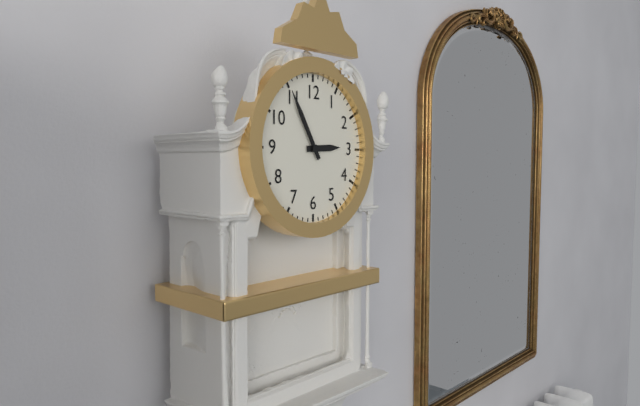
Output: h=2 m=55
